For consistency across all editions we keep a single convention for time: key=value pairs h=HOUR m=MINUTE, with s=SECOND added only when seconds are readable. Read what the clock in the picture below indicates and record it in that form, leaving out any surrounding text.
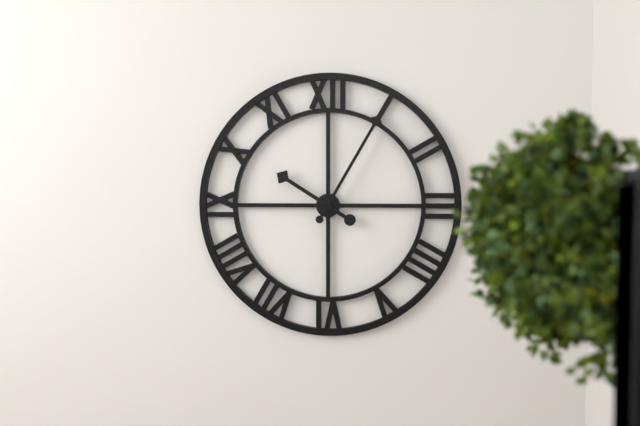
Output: h=10 m=5
